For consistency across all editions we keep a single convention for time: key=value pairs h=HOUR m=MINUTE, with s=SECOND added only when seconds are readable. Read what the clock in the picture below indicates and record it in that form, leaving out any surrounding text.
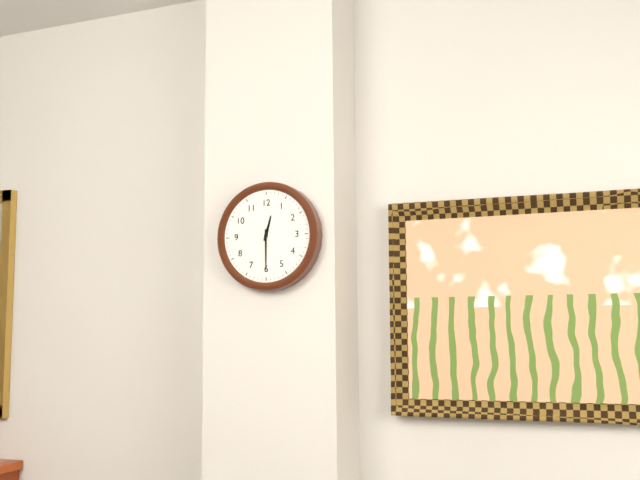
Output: h=12 m=30
